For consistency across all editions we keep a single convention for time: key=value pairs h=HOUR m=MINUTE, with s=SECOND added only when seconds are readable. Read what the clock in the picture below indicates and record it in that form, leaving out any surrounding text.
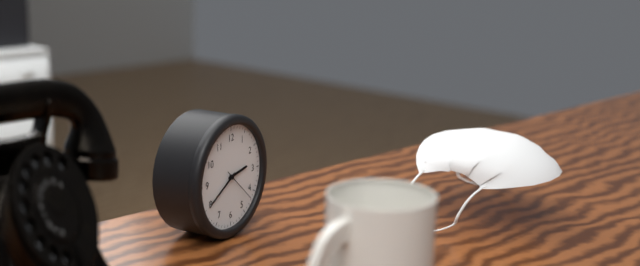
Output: h=2 m=40
